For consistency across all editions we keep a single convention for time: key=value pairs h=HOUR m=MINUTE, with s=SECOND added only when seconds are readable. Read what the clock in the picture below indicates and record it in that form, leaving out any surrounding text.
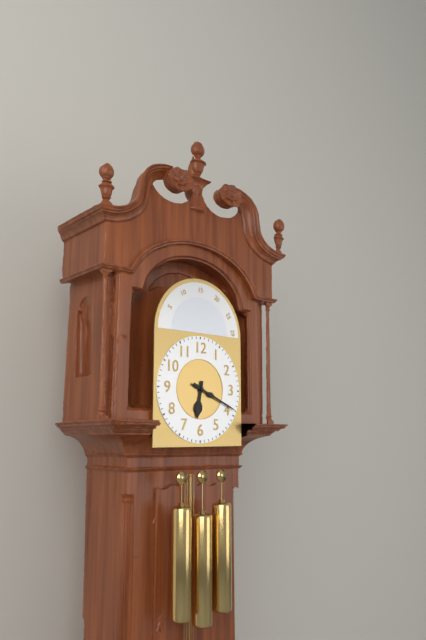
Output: h=6 m=19
